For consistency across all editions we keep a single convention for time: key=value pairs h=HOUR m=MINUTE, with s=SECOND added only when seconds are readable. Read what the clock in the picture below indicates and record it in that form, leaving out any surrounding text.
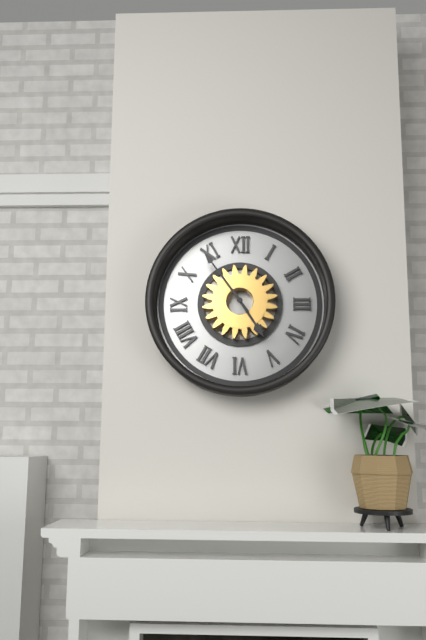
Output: h=4 m=54
